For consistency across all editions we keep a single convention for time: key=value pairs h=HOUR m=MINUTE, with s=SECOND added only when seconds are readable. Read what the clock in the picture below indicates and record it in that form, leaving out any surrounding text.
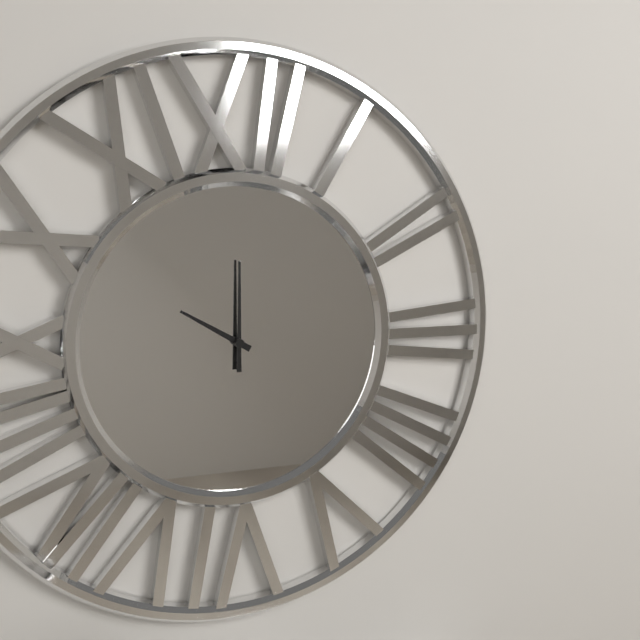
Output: h=10 m=0
